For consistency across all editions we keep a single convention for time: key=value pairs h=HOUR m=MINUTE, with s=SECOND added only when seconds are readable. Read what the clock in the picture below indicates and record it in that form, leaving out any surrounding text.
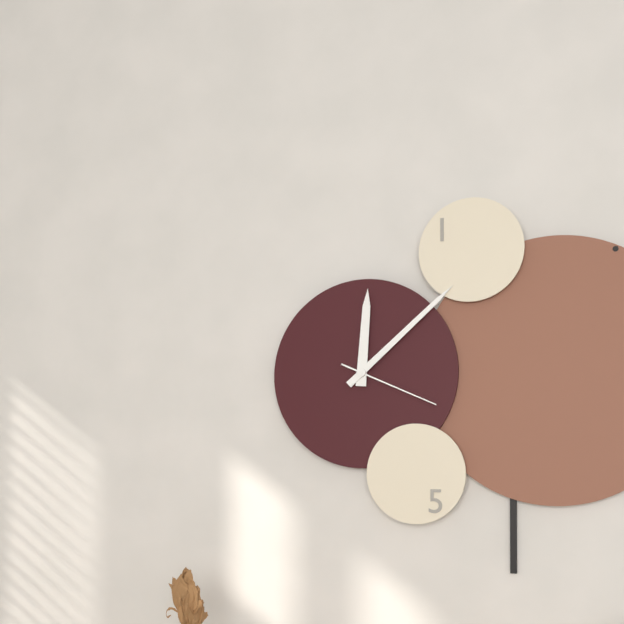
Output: h=12 m=8 s=19
